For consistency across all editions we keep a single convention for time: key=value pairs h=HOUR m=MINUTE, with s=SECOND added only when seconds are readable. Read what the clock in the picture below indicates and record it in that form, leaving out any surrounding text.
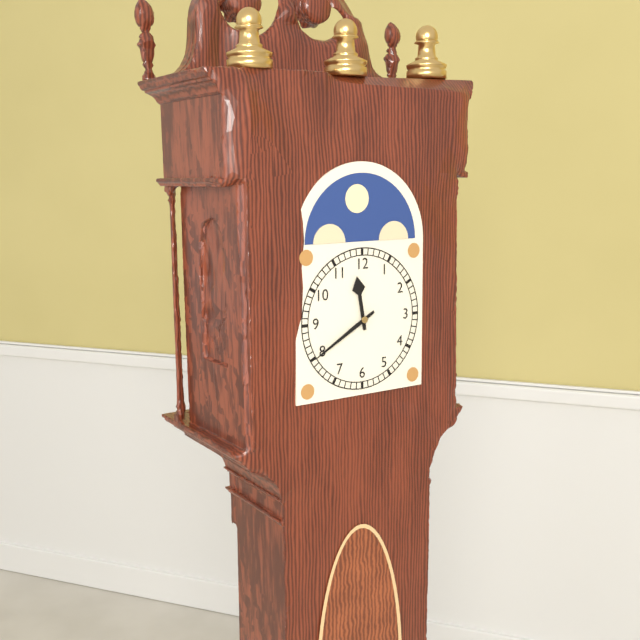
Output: h=11 m=40
